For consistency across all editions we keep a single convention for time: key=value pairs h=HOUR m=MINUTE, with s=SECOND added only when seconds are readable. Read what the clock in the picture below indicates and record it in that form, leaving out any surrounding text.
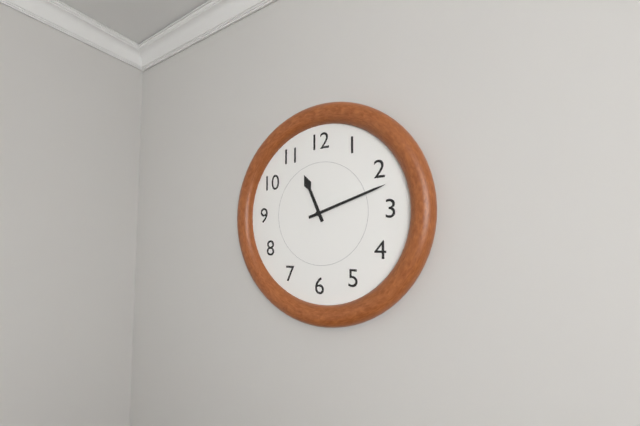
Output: h=11 m=12
